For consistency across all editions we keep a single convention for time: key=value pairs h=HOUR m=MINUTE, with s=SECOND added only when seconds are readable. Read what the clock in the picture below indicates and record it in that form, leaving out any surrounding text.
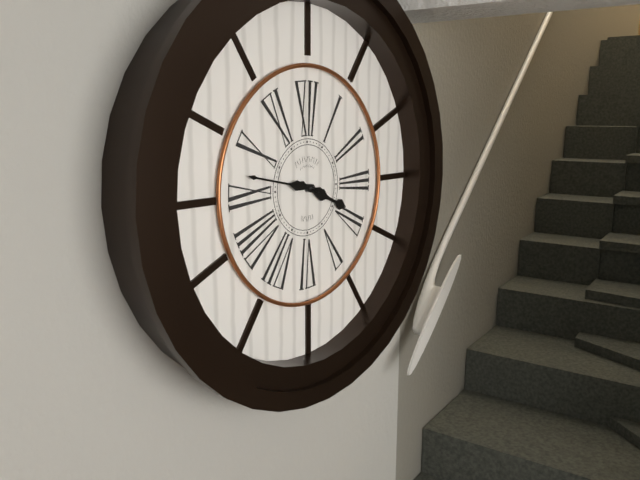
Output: h=3 m=47
